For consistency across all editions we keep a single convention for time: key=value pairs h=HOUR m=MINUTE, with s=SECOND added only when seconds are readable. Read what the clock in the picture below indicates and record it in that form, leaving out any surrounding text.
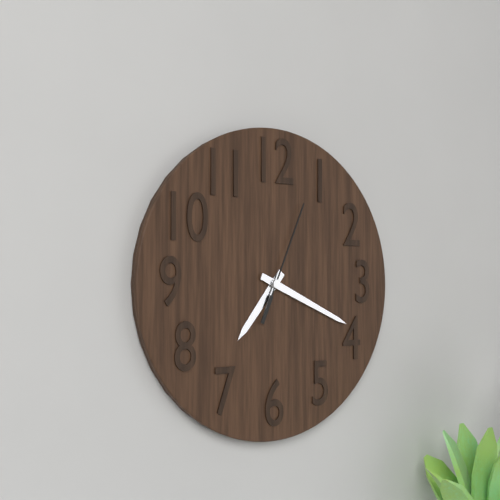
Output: h=7 m=19 s=4
